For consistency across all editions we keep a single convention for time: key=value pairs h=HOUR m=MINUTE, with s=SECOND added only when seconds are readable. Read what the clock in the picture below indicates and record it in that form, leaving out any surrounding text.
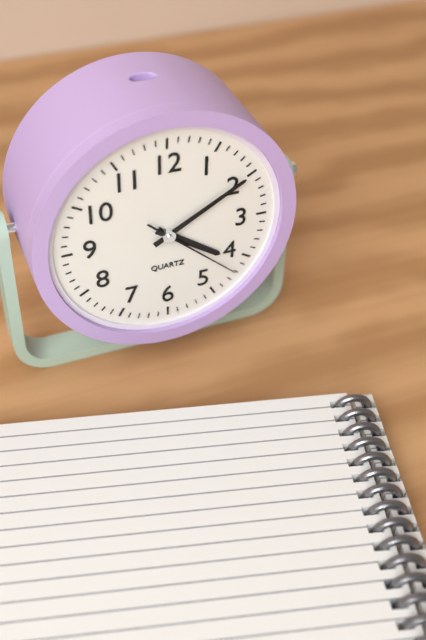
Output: h=4 m=10 s=22
